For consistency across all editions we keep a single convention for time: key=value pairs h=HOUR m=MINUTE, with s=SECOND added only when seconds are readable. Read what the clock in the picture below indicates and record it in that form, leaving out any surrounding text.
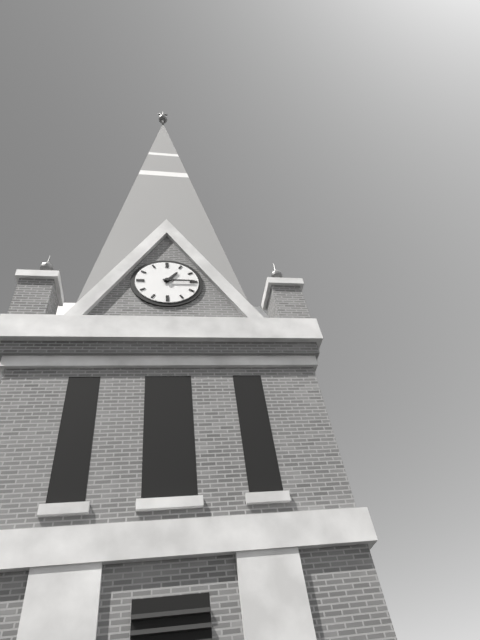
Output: h=1 m=15
